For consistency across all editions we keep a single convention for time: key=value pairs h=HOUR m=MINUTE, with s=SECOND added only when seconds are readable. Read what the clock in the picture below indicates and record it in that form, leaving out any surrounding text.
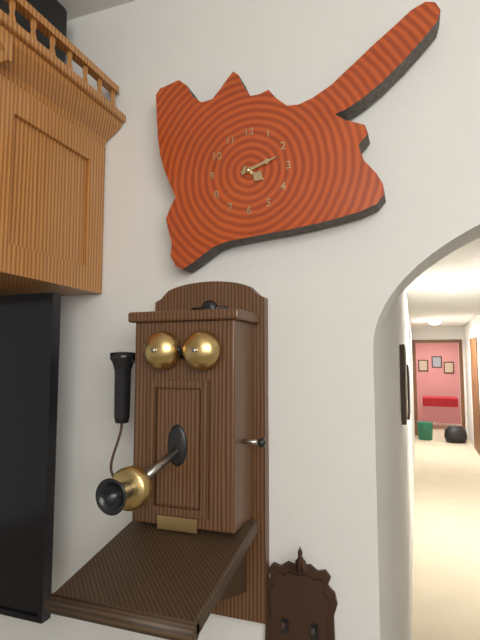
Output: h=4 m=12
